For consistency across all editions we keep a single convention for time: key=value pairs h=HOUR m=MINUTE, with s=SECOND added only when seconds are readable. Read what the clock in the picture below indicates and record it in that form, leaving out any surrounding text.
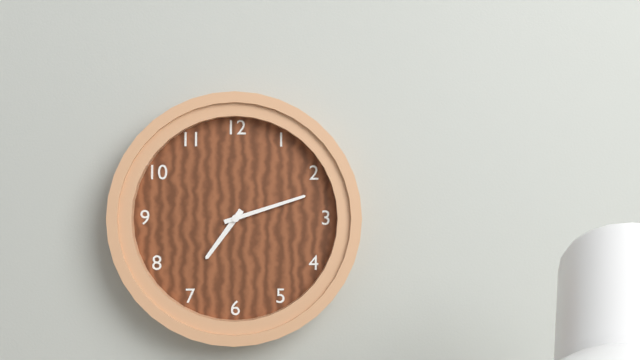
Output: h=7 m=12
